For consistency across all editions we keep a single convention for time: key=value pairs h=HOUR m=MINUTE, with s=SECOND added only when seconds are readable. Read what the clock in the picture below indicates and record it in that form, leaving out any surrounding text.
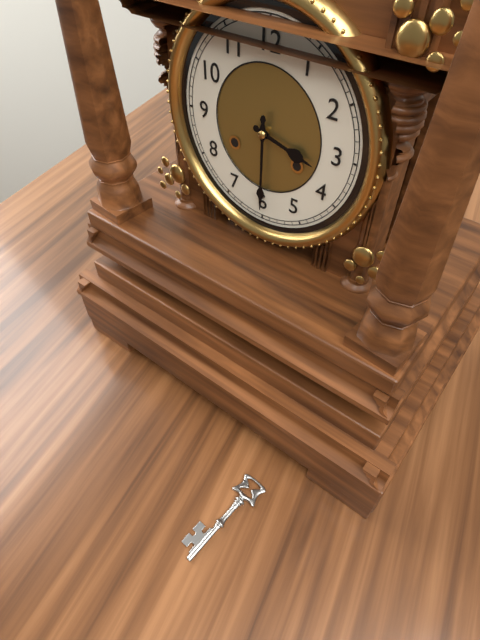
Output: h=3 m=30
